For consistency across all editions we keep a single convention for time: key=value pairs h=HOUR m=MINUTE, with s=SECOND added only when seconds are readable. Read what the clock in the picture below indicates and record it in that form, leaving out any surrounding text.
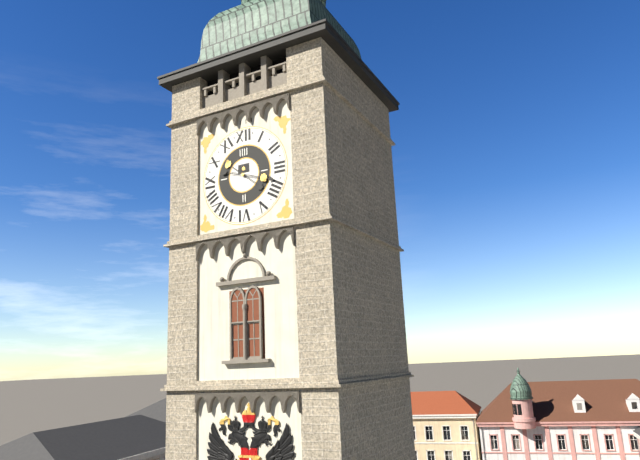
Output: h=10 m=18
